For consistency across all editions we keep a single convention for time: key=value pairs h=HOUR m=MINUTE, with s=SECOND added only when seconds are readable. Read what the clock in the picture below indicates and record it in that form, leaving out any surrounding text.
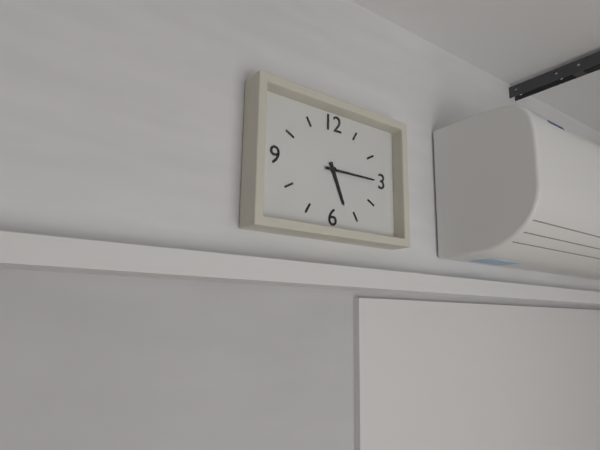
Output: h=5 m=15
